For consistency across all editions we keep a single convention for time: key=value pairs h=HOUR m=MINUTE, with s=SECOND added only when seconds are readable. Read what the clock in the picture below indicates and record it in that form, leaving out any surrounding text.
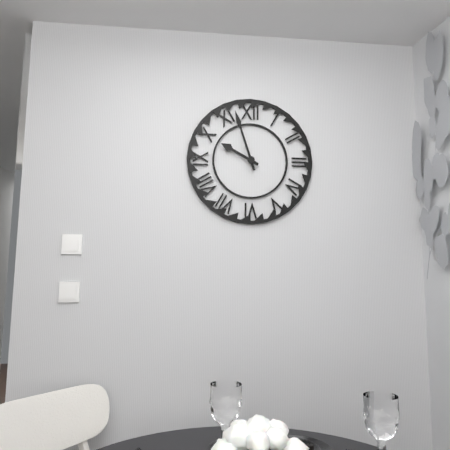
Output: h=9 m=57
